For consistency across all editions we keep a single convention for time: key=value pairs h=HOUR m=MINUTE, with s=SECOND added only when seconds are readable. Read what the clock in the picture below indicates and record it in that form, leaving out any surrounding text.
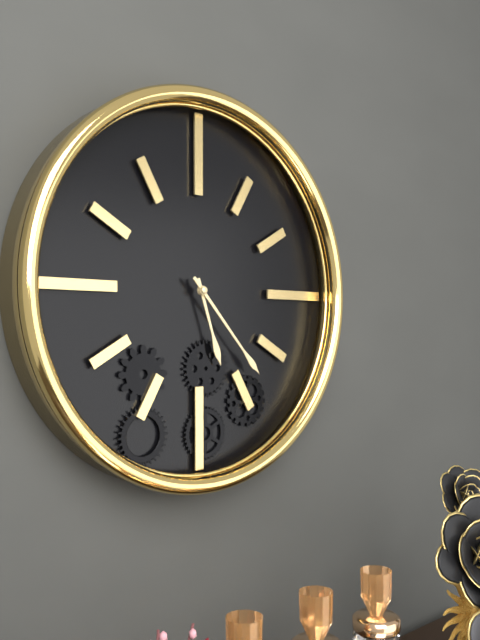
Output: h=5 m=23
